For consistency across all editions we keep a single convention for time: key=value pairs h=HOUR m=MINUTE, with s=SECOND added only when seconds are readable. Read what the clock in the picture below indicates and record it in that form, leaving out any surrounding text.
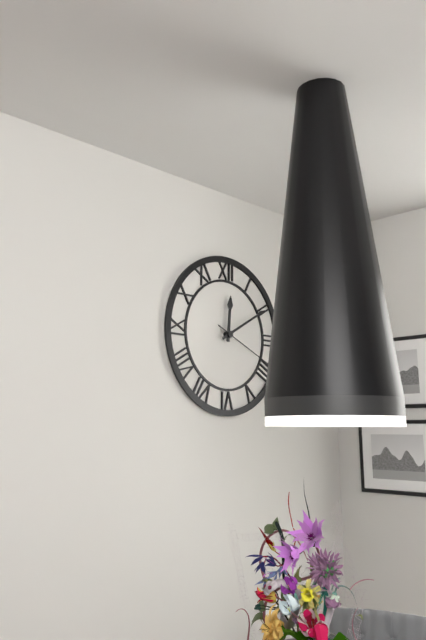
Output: h=12 m=10 s=19
